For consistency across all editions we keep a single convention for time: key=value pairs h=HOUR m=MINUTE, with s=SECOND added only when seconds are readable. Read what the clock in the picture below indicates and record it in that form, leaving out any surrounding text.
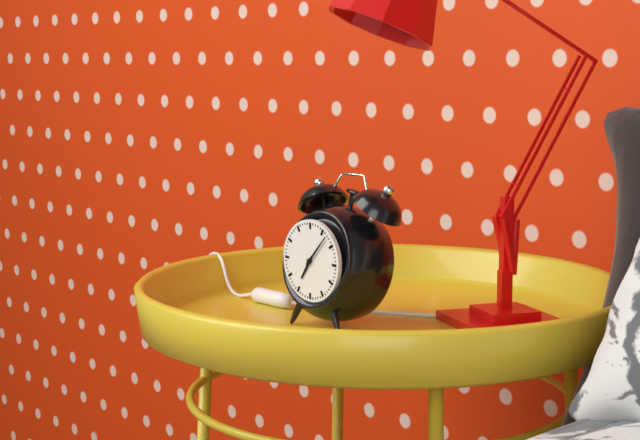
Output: h=7 m=7
